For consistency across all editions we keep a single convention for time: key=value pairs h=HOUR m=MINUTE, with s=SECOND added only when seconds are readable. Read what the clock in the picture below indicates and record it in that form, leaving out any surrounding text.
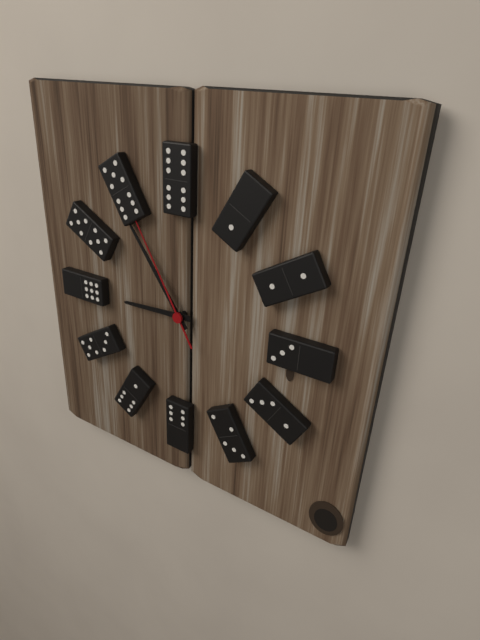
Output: h=8 m=54 s=55
